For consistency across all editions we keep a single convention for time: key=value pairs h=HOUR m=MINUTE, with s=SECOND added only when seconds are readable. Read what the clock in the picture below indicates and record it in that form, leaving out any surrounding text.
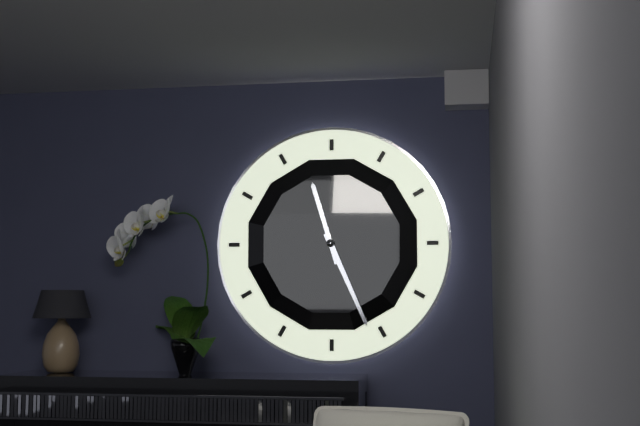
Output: h=11 m=26
